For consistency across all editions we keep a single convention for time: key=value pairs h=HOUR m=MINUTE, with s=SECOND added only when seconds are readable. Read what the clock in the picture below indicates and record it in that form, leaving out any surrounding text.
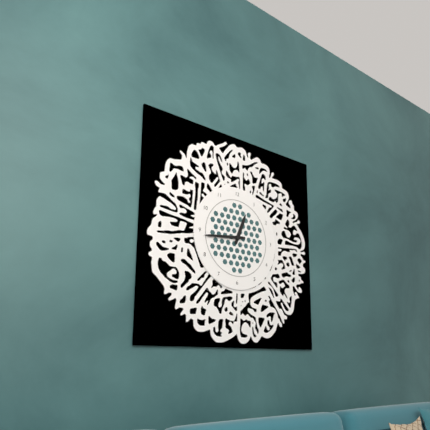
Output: h=12 m=44
